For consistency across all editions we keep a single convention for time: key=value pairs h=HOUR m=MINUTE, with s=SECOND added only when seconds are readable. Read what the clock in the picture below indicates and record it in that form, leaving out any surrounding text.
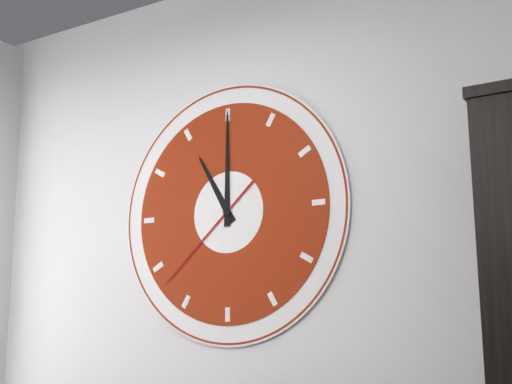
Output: h=11 m=0 s=38
